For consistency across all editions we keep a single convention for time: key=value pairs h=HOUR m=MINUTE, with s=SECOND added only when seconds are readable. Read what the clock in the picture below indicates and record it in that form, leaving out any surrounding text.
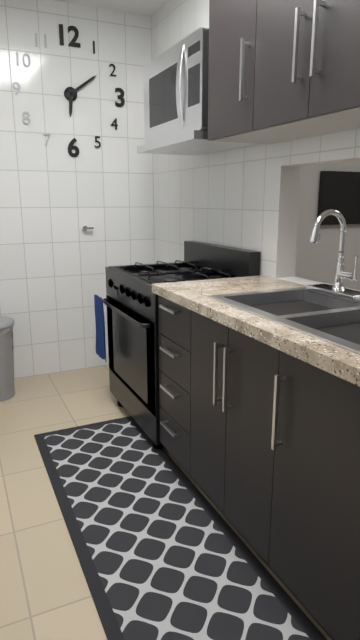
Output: h=6 m=9
